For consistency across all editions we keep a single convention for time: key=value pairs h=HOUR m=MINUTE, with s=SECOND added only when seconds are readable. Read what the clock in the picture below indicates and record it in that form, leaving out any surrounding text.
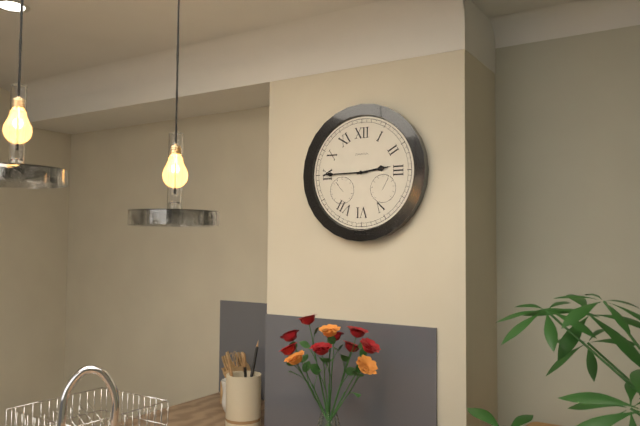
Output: h=2 m=45
